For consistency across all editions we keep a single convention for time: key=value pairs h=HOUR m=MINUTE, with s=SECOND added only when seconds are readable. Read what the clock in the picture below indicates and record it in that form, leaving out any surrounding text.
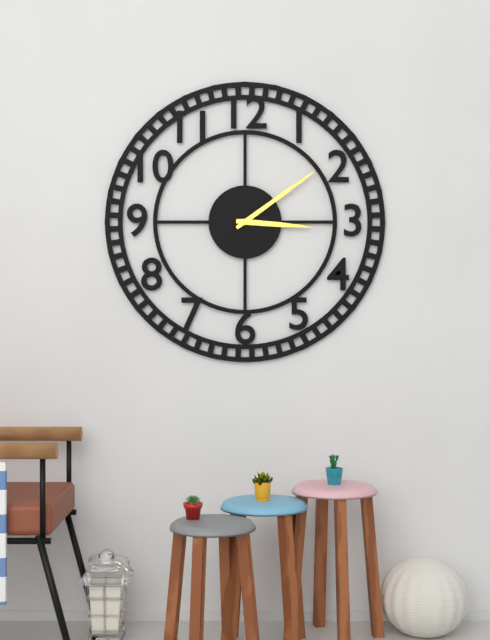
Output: h=3 m=9
